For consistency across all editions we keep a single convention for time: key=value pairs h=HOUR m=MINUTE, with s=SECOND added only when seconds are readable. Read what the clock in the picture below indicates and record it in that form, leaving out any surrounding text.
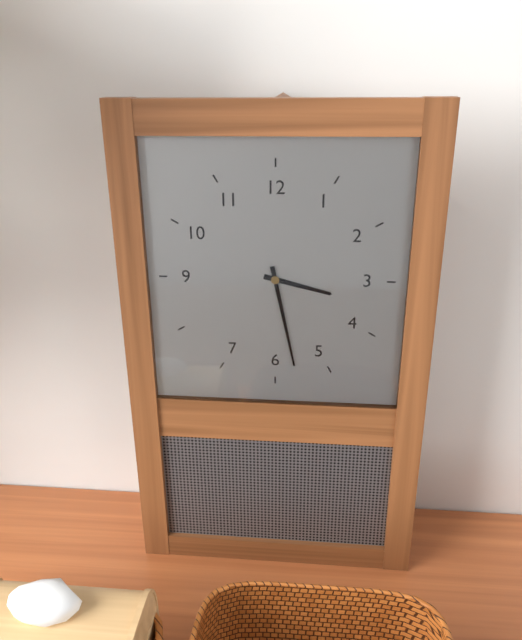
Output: h=3 m=28
